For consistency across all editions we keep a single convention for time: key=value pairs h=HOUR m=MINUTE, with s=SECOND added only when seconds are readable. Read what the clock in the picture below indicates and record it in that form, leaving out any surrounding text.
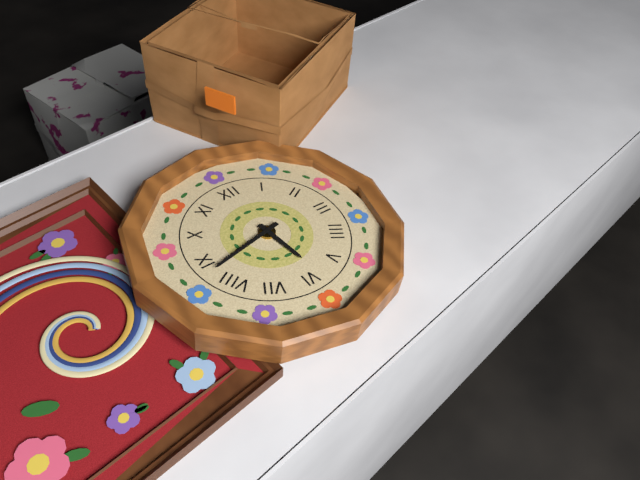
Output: h=5 m=43
